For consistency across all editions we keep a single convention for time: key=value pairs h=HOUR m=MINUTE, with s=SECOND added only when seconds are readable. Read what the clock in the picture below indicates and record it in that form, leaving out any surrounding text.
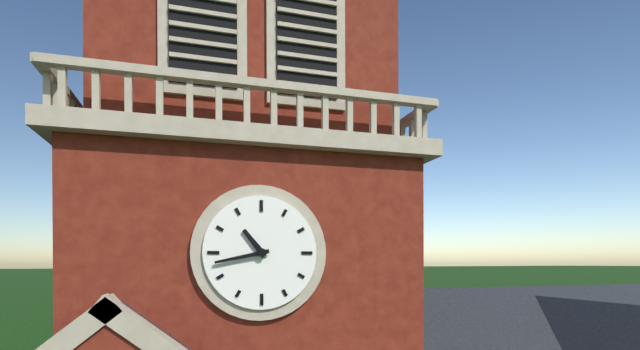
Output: h=10 m=43
